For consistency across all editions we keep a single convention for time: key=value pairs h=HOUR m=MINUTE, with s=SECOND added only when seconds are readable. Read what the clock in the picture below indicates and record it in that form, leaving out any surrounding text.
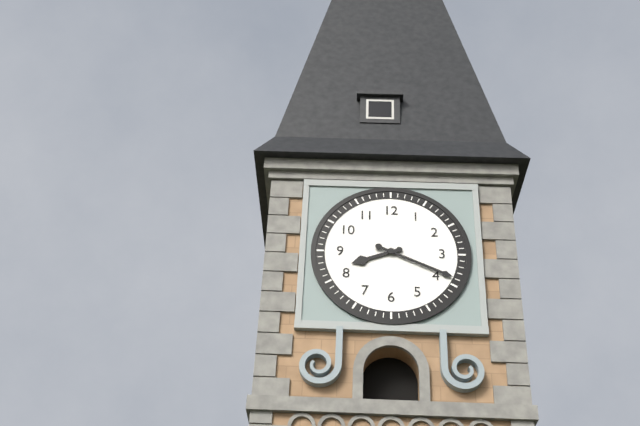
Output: h=8 m=19
